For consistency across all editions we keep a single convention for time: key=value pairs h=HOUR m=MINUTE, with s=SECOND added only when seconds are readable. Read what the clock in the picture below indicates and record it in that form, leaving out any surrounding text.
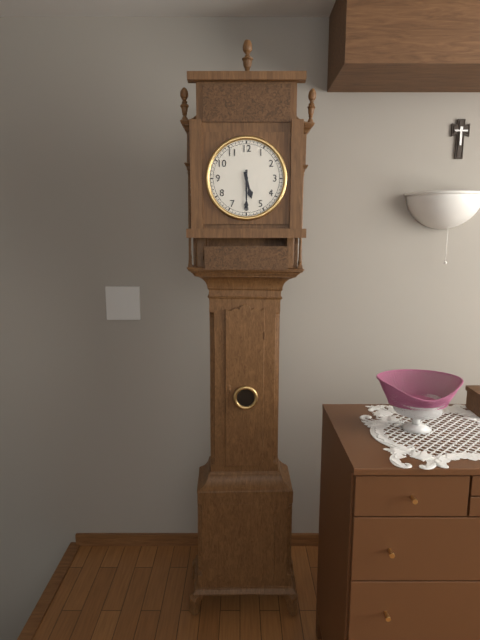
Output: h=5 m=30
